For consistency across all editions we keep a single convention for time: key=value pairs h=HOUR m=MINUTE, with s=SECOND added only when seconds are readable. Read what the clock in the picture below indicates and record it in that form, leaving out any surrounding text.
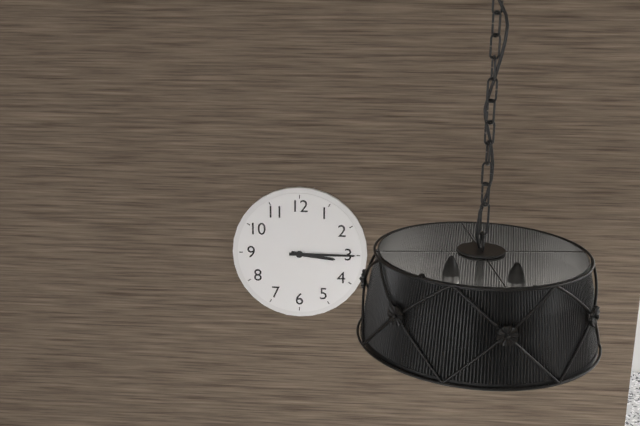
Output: h=3 m=15
